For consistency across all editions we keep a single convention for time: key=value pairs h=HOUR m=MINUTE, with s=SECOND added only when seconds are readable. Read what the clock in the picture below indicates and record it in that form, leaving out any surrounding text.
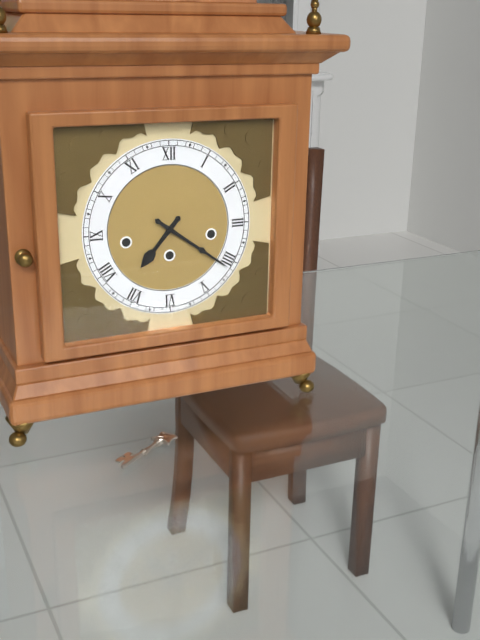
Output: h=7 m=21
